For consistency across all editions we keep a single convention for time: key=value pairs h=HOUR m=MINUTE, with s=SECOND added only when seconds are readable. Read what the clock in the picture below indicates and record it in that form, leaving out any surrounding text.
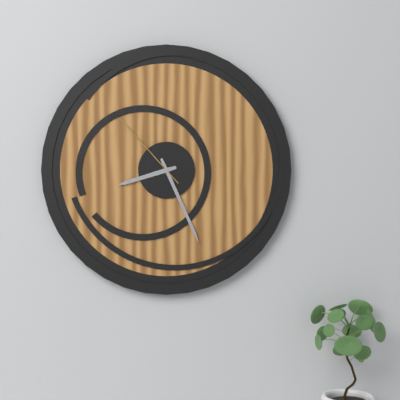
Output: h=8 m=26 s=53
